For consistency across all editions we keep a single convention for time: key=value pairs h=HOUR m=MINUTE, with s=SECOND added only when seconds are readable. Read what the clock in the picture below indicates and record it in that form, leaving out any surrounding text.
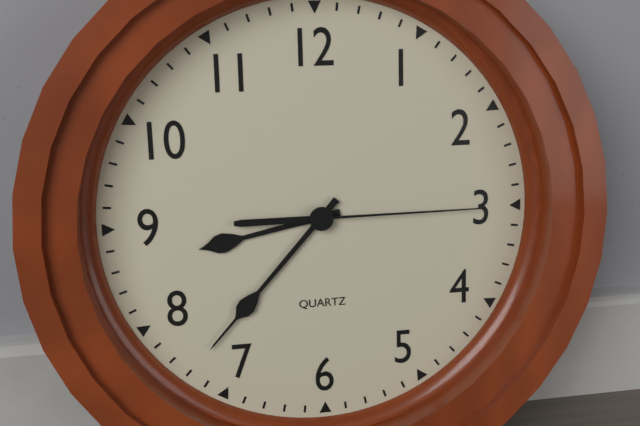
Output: h=8 m=37 s=15
